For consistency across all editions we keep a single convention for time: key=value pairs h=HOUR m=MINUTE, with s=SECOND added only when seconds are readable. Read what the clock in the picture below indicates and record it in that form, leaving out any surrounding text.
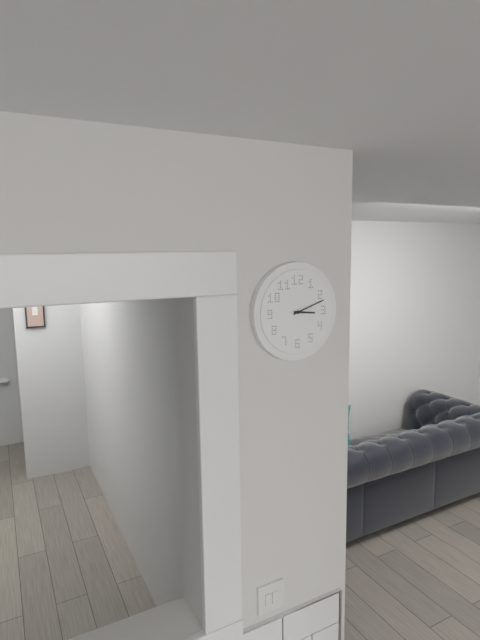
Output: h=3 m=12
